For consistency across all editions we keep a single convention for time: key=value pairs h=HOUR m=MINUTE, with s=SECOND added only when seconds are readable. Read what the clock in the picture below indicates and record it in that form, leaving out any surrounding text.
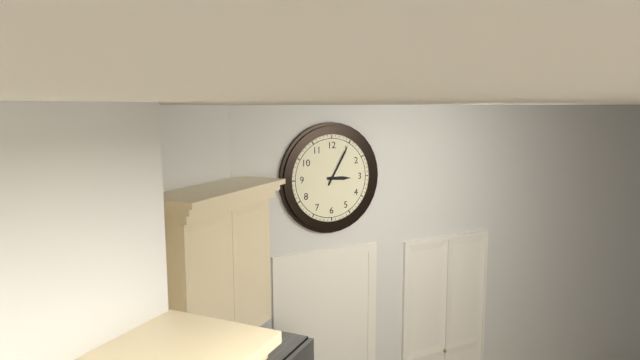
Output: h=3 m=5
